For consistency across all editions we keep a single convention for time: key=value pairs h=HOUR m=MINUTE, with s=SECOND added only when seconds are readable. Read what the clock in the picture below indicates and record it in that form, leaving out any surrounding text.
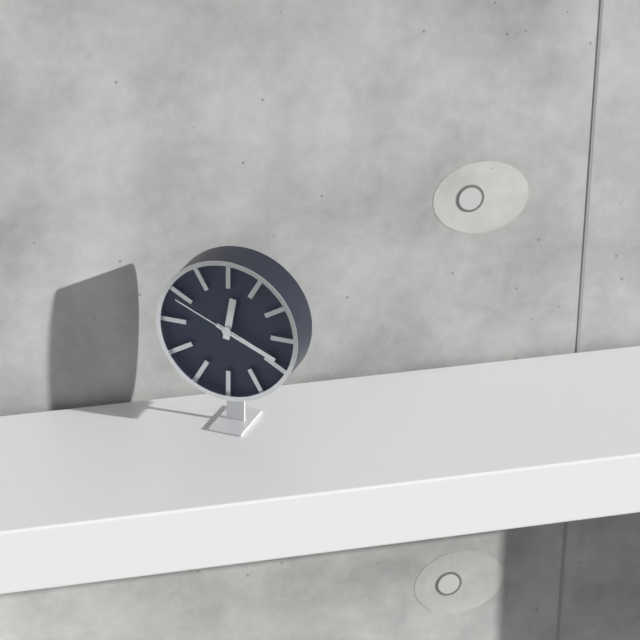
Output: h=12 m=19 s=49
